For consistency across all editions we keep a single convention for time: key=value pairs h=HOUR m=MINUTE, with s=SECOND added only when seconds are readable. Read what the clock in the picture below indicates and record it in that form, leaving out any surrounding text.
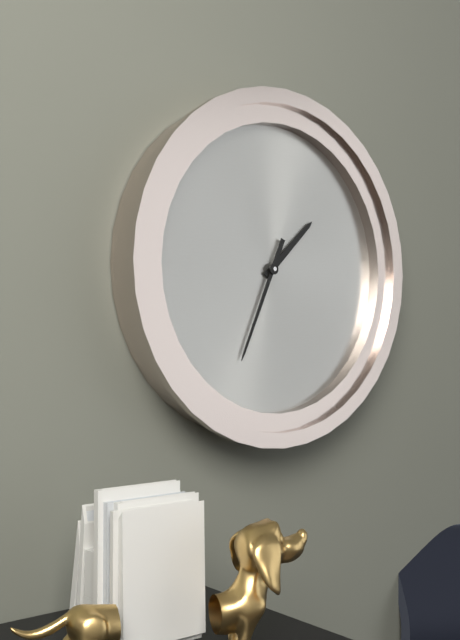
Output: h=1 m=34
